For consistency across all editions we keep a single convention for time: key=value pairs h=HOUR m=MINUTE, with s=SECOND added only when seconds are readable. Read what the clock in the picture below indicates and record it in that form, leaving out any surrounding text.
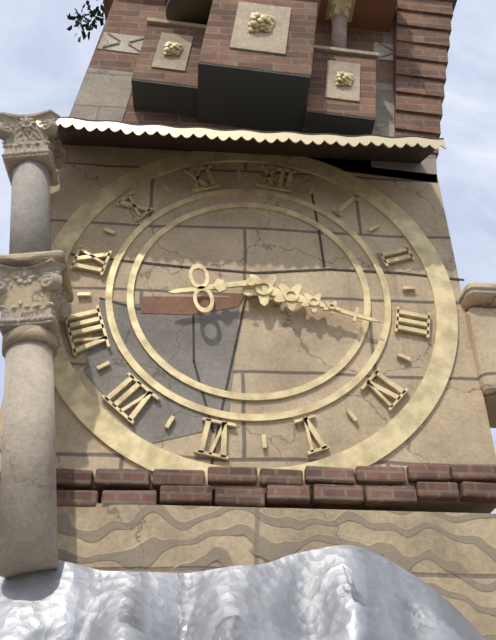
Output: h=8 m=16
